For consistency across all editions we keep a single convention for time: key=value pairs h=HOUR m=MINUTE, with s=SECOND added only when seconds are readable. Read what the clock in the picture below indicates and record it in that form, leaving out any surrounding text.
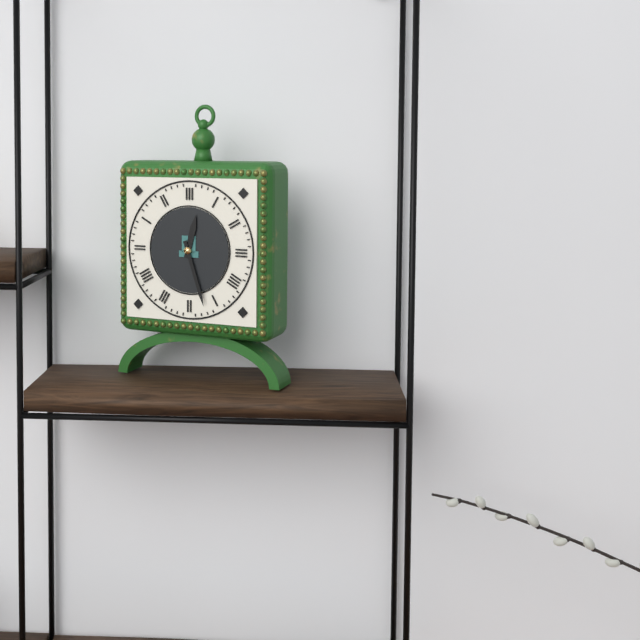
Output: h=12 m=27
